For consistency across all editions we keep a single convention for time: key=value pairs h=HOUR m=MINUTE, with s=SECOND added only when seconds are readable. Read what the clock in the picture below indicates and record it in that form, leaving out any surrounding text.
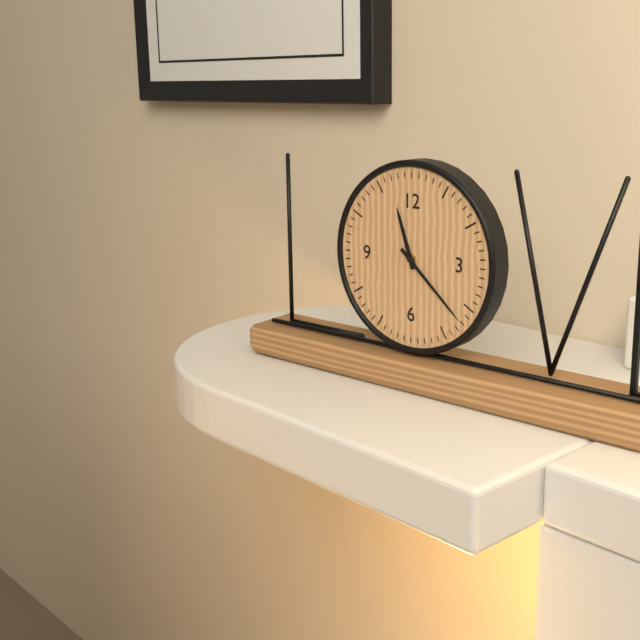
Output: h=11 m=22
